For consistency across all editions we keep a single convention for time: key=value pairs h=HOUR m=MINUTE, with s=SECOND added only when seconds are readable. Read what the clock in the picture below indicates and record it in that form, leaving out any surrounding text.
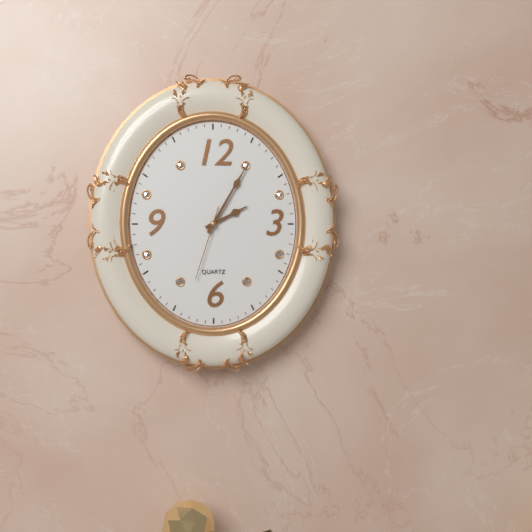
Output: h=2 m=5 s=33
